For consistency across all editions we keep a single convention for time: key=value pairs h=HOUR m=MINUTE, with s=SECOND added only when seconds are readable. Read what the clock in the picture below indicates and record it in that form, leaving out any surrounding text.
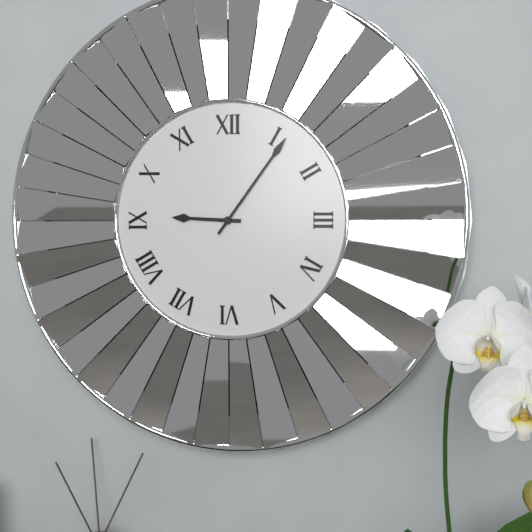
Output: h=9 m=6
